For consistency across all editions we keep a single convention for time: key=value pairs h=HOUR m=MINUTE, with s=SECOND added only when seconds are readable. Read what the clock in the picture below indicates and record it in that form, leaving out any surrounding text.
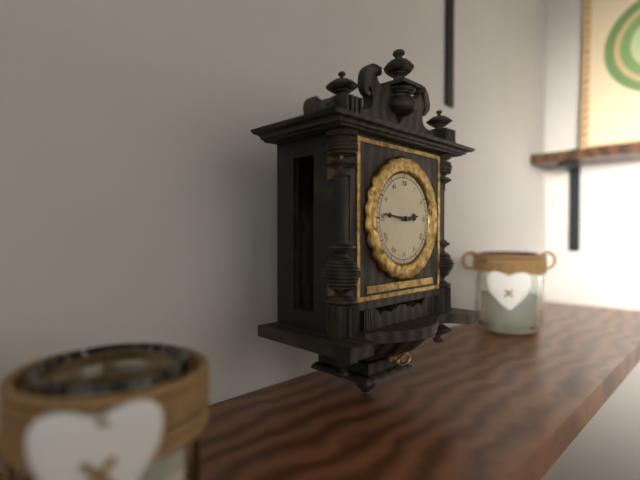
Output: h=2 m=46
